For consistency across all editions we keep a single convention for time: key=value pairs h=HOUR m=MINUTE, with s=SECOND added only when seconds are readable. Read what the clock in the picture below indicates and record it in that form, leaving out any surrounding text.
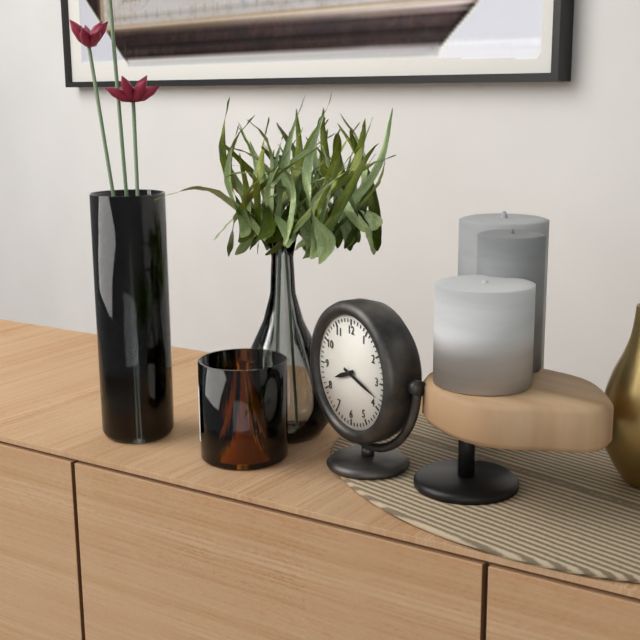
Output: h=8 m=18
